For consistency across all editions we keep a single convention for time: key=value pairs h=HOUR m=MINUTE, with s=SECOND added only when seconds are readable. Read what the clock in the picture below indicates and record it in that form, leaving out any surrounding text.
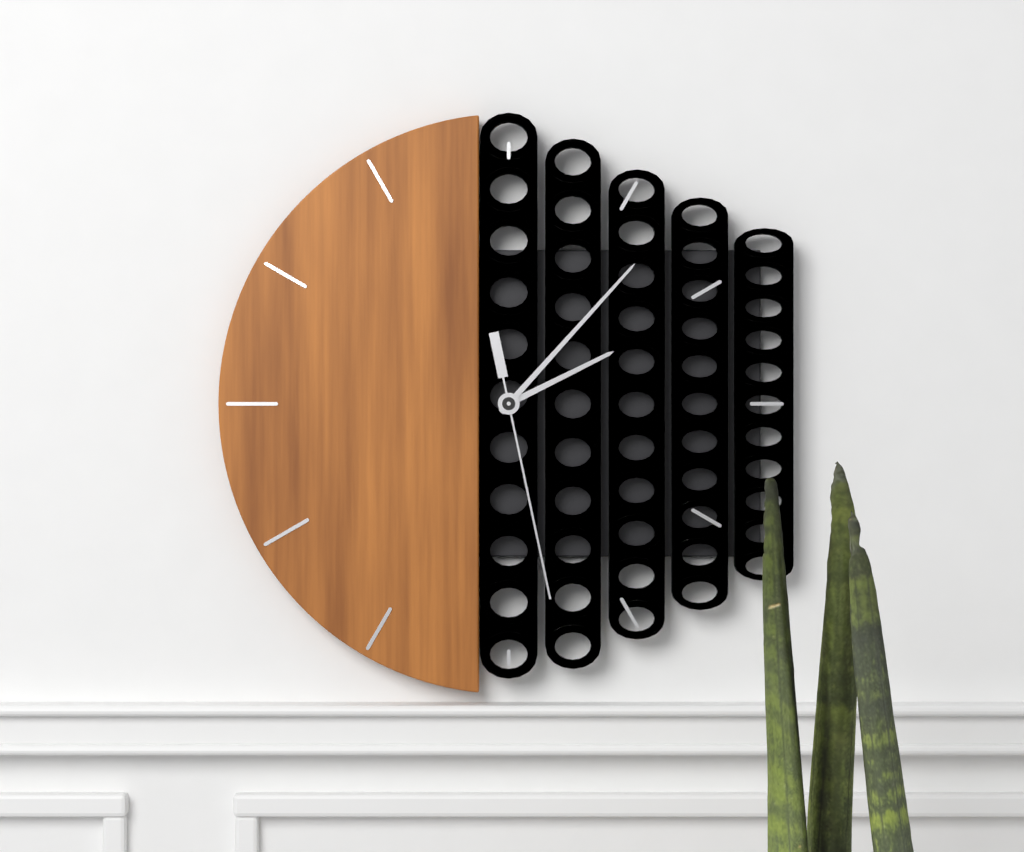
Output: h=2 m=7 s=28
